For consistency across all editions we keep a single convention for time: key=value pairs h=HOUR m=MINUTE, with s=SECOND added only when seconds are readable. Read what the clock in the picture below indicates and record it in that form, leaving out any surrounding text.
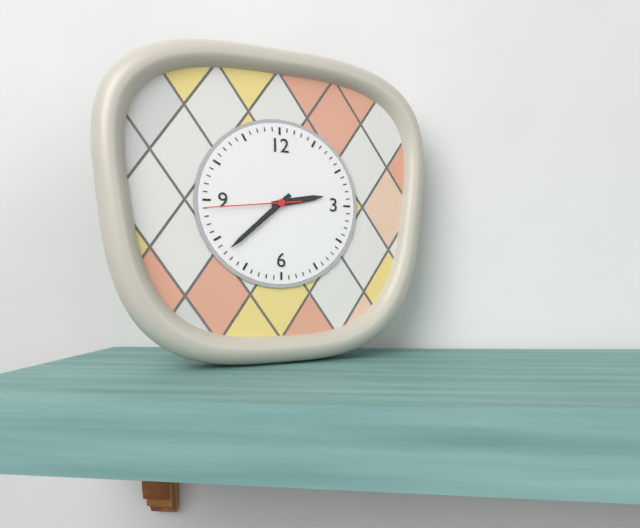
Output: h=2 m=38 s=44
